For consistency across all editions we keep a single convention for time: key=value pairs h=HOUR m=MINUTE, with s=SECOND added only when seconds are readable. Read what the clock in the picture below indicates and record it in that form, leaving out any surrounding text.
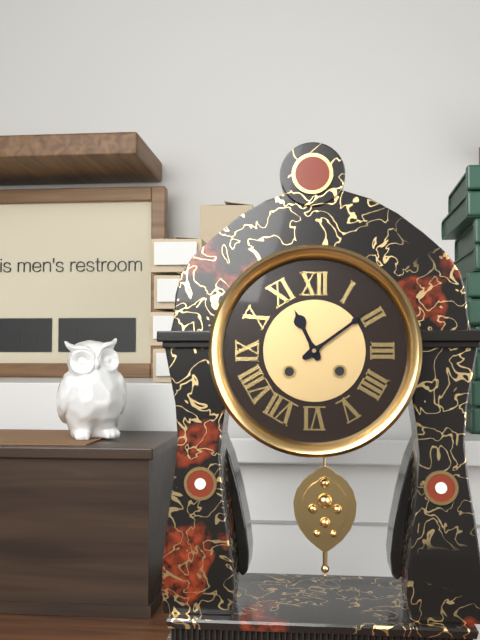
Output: h=11 m=9
